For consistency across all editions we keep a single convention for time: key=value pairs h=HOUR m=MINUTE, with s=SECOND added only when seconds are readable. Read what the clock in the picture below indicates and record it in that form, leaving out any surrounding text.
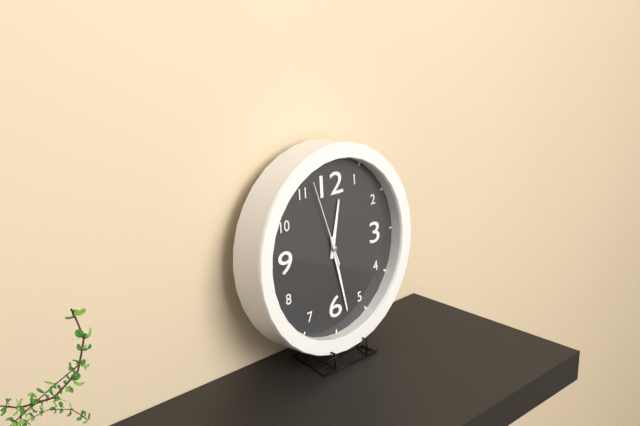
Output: h=12 m=28 s=57
